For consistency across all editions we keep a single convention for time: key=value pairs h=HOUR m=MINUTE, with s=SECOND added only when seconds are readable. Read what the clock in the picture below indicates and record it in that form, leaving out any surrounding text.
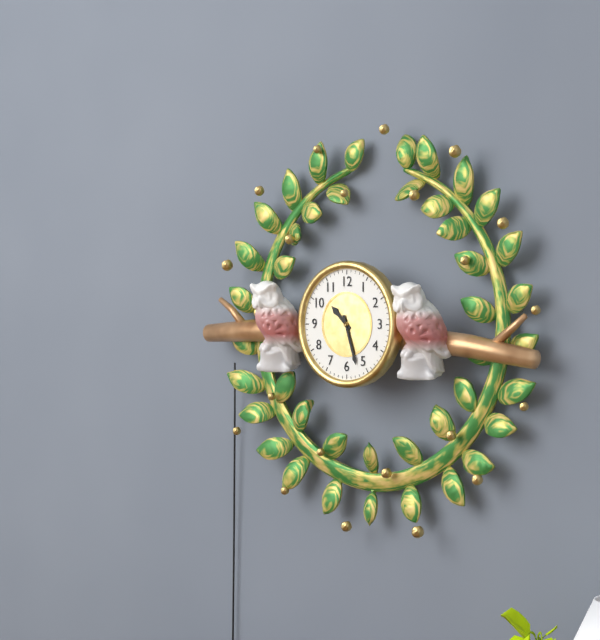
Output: h=10 m=27
